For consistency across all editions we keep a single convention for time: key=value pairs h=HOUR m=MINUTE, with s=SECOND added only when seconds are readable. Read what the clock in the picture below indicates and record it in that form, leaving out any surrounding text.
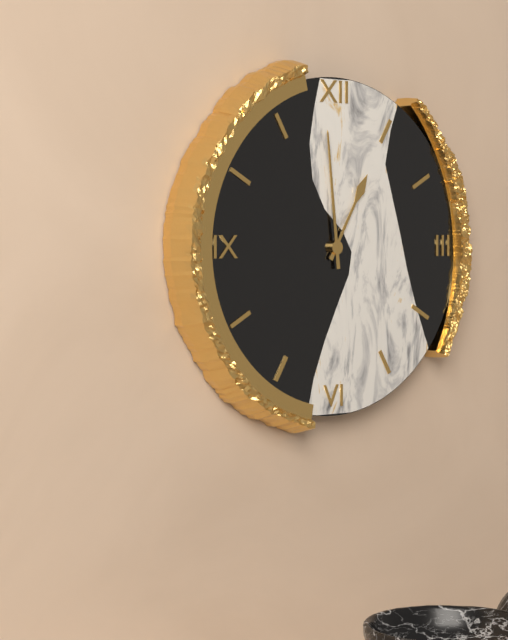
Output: h=12 m=59
